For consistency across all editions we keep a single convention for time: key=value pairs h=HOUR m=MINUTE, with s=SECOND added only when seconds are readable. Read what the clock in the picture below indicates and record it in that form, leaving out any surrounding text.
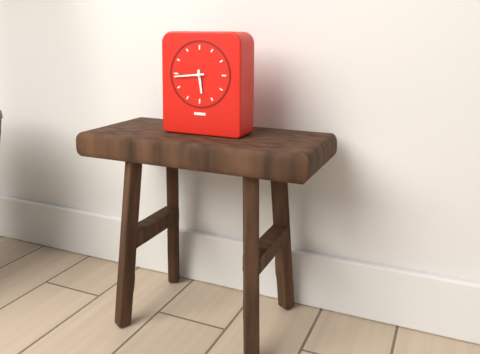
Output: h=5 m=44
